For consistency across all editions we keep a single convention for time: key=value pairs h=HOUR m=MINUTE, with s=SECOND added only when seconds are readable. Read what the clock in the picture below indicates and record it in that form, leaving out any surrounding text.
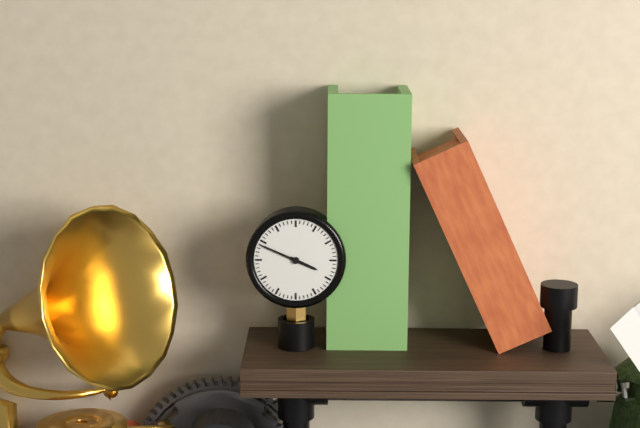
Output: h=3 m=49
